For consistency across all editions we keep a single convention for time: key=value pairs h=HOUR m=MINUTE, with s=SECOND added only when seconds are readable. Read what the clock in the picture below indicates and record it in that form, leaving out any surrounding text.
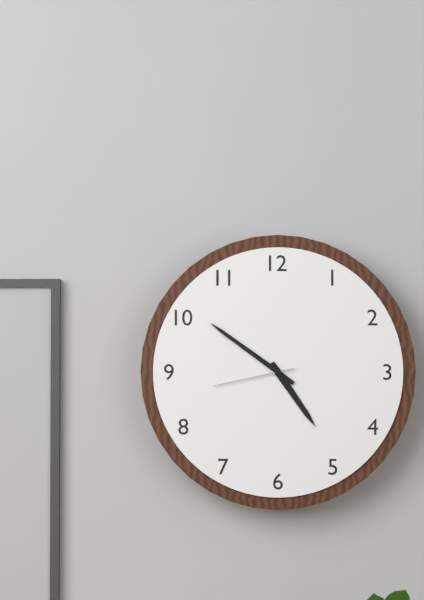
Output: h=4 m=51 s=43
